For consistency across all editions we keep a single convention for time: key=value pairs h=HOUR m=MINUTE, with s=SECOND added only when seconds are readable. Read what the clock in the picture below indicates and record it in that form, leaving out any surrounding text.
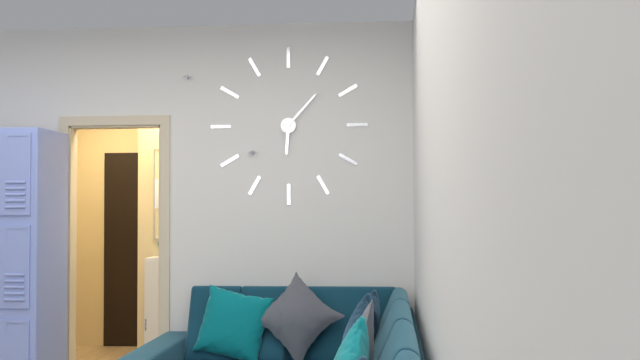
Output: h=6 m=7
